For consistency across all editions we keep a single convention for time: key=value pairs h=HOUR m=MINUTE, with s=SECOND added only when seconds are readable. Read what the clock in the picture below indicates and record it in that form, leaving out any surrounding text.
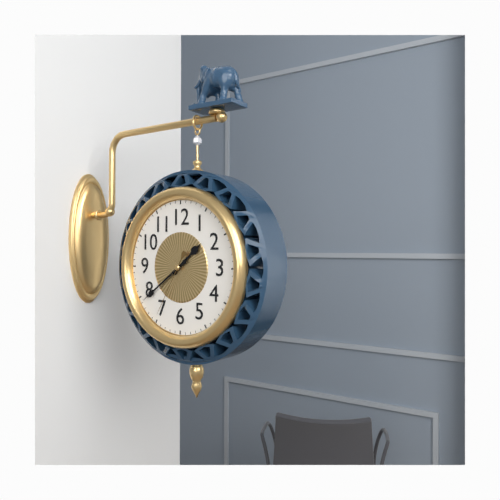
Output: h=1 m=39 s=35
